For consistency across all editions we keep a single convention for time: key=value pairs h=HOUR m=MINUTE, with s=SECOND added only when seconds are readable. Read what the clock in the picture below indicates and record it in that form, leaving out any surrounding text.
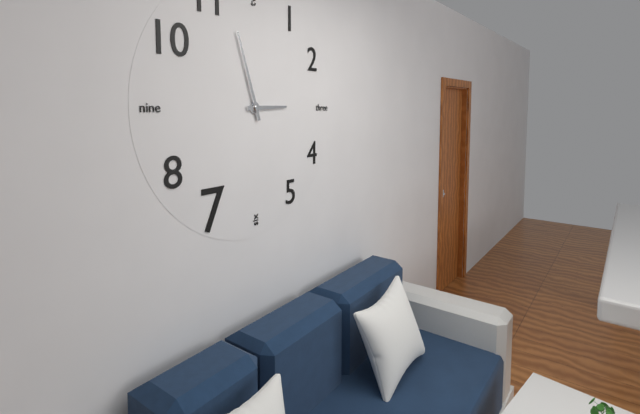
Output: h=2 m=57
